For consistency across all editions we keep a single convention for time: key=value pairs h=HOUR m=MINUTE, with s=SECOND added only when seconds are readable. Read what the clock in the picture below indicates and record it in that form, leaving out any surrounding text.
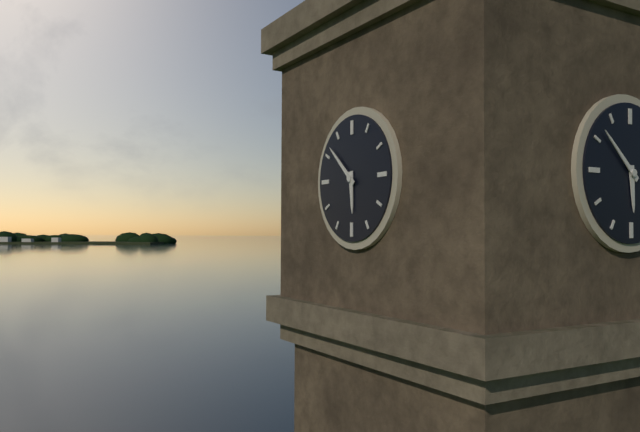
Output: h=5 m=52
